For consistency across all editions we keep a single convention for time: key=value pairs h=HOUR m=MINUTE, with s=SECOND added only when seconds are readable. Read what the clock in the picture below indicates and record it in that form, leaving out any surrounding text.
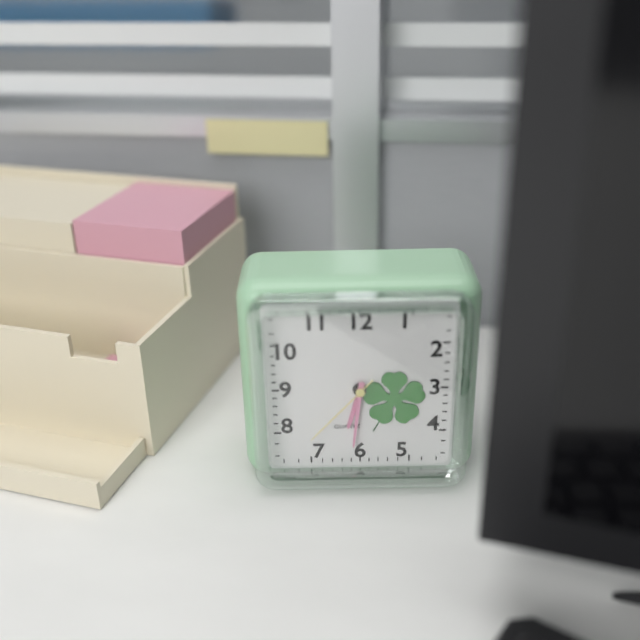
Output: h=6 m=31 s=37
